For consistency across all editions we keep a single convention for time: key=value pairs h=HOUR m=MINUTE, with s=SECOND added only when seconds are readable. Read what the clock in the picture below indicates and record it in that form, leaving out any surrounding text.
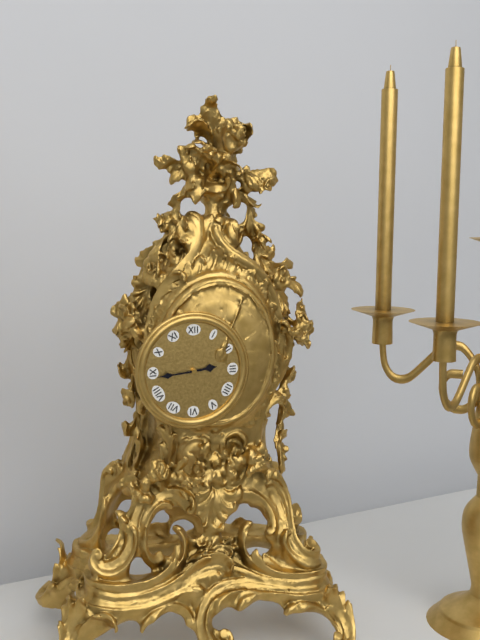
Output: h=2 m=44
